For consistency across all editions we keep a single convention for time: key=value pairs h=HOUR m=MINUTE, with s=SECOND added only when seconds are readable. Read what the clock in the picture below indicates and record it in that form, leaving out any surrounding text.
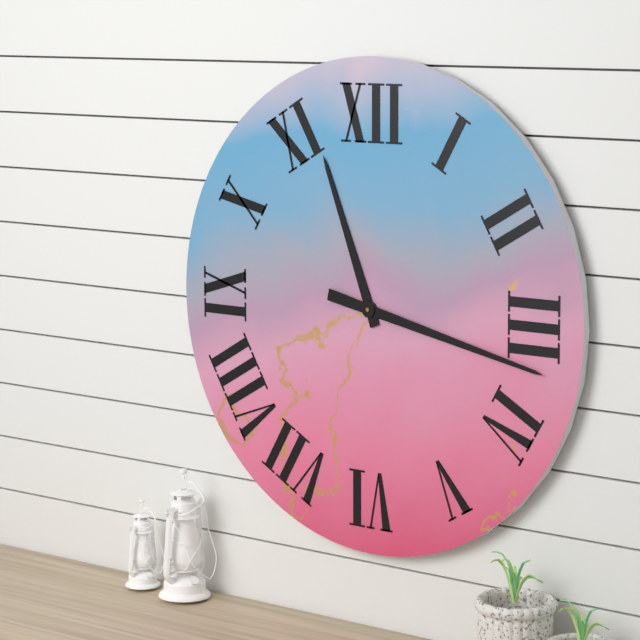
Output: h=11 m=17
